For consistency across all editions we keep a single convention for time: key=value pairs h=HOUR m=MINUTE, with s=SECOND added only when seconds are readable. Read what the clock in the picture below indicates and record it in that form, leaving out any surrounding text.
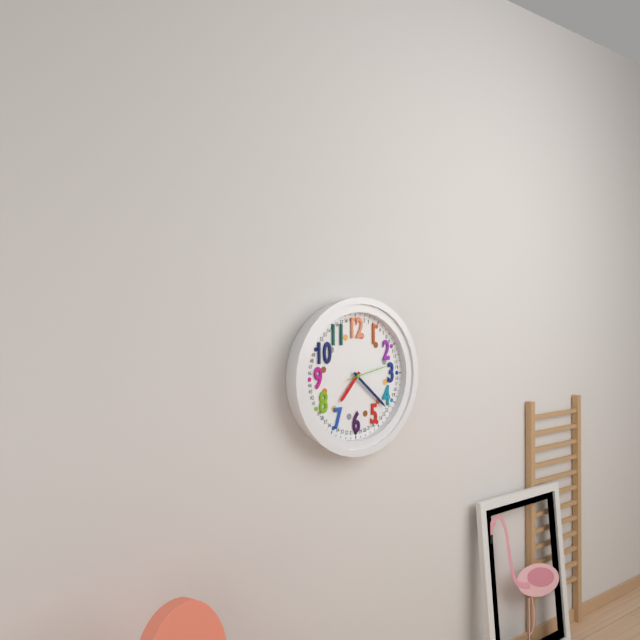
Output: h=7 m=22
